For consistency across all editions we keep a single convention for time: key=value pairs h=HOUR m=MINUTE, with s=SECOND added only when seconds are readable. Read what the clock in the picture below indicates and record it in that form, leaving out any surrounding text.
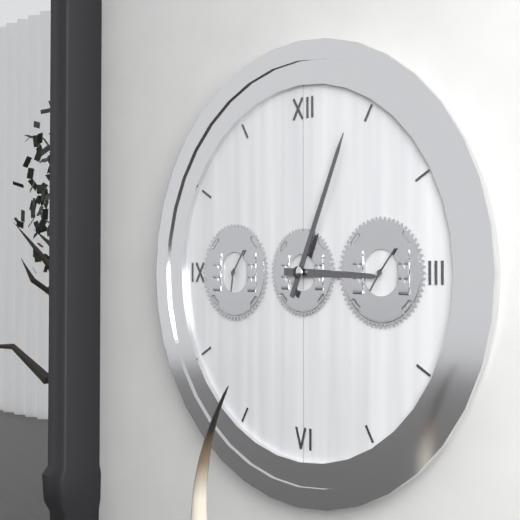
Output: h=3 m=4
